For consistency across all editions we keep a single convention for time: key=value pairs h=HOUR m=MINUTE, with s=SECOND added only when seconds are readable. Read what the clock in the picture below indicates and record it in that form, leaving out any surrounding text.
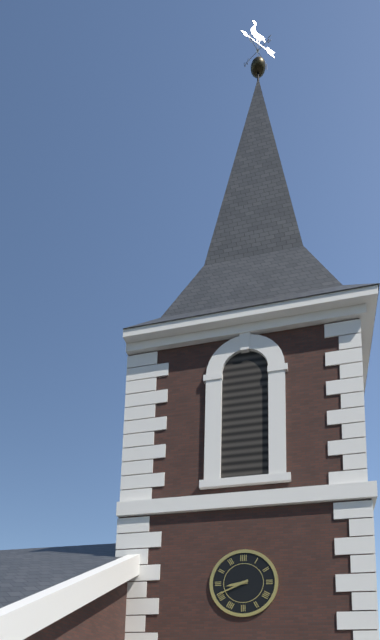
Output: h=8 m=41
